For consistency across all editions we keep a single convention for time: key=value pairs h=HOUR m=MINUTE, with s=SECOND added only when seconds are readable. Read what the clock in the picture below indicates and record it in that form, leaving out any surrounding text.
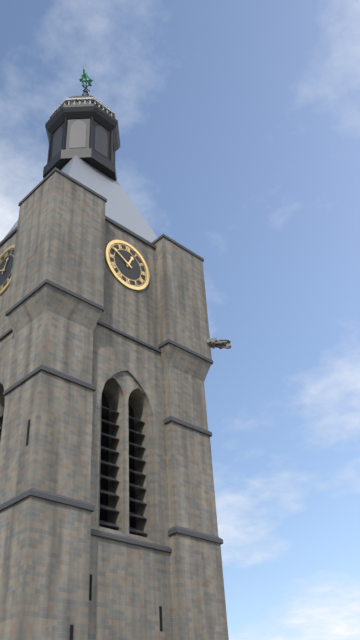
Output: h=12 m=50
